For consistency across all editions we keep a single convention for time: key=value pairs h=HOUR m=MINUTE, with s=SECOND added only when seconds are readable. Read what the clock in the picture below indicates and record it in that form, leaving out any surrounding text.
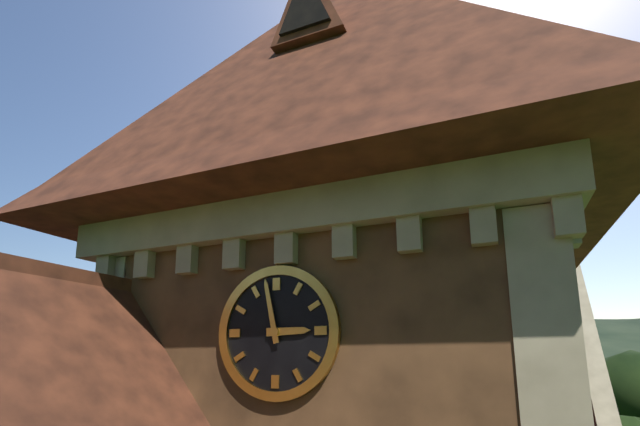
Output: h=2 m=58
